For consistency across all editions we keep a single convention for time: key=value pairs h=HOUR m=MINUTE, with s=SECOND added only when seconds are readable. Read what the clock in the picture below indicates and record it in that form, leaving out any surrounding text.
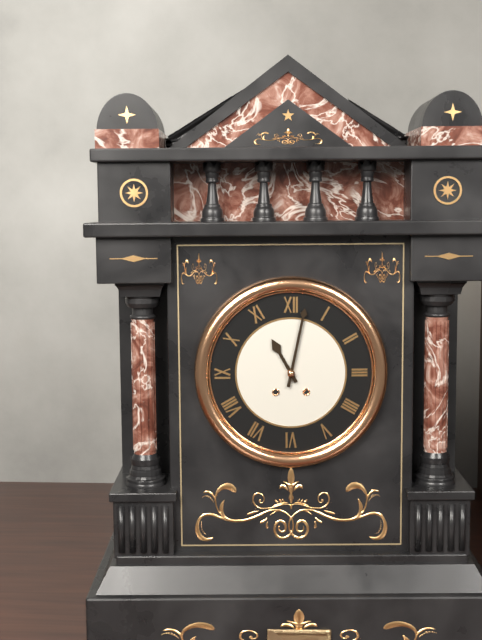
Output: h=11 m=2
